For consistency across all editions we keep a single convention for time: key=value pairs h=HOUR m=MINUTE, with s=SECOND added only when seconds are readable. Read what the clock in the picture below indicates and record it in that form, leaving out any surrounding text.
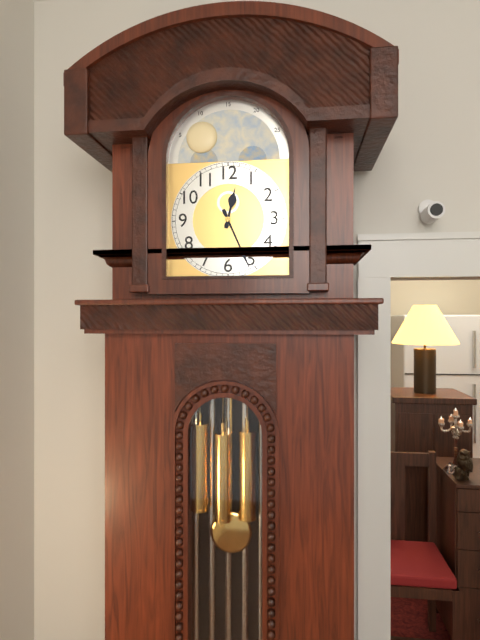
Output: h=12 m=26
